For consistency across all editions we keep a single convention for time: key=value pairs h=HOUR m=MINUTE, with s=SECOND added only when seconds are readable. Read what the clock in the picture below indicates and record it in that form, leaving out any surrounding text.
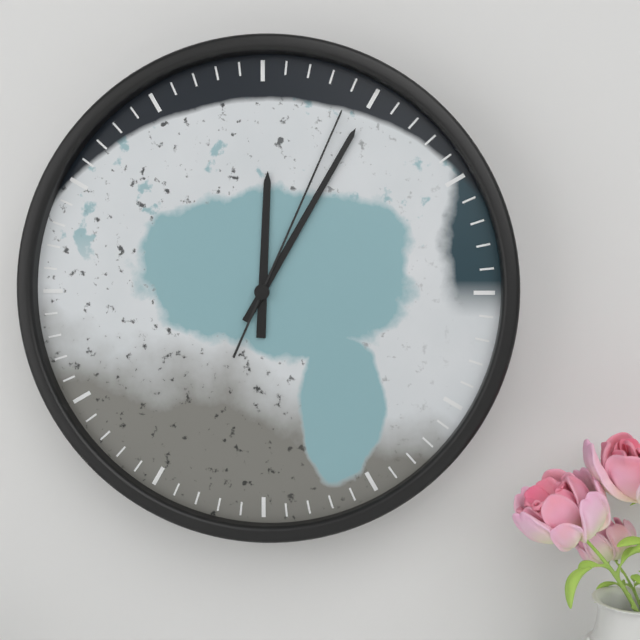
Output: h=12 m=5 s=4
